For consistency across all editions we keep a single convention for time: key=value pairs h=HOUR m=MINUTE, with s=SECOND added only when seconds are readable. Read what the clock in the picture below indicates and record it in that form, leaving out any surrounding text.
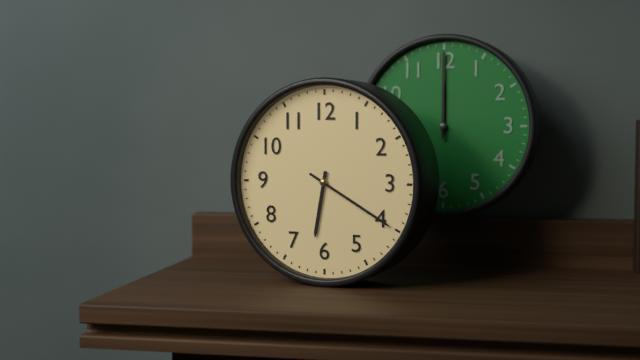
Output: h=6 m=20
